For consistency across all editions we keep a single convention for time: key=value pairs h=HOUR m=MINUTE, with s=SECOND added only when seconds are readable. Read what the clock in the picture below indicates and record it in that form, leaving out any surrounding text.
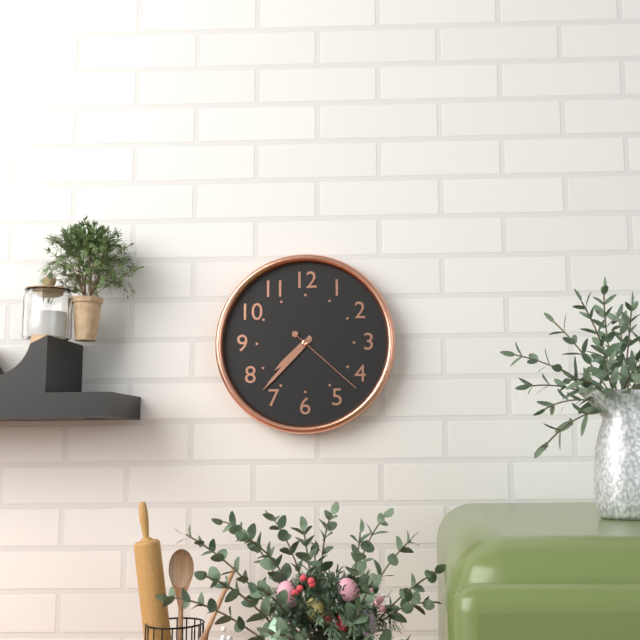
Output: h=7 m=37 s=22
